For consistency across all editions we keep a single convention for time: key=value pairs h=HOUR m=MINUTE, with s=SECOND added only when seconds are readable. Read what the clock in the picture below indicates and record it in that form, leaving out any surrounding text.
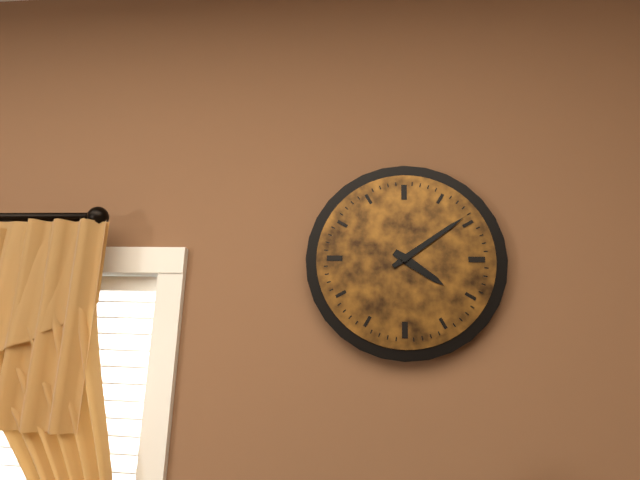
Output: h=4 m=9
